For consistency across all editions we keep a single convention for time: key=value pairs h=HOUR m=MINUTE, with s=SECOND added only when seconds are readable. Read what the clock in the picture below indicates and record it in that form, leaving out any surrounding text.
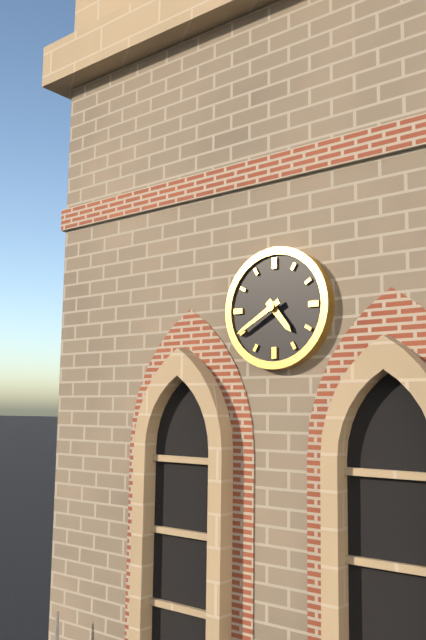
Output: h=4 m=40
